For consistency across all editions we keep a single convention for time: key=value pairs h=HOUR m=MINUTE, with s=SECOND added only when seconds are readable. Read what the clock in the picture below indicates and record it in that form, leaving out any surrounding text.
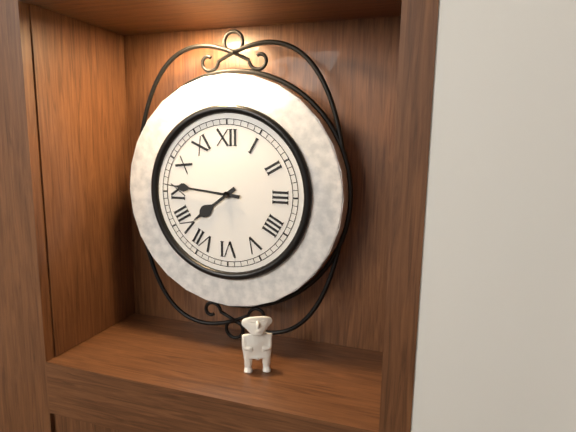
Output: h=7 m=46
